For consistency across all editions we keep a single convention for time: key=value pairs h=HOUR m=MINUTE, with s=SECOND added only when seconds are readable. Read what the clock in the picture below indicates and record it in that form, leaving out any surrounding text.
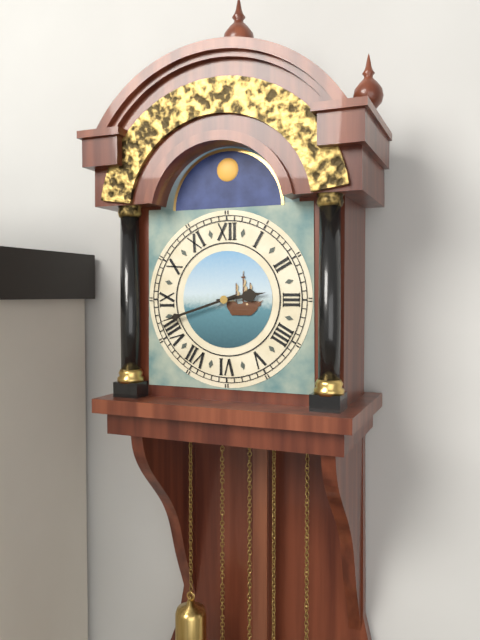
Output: h=2 m=42
